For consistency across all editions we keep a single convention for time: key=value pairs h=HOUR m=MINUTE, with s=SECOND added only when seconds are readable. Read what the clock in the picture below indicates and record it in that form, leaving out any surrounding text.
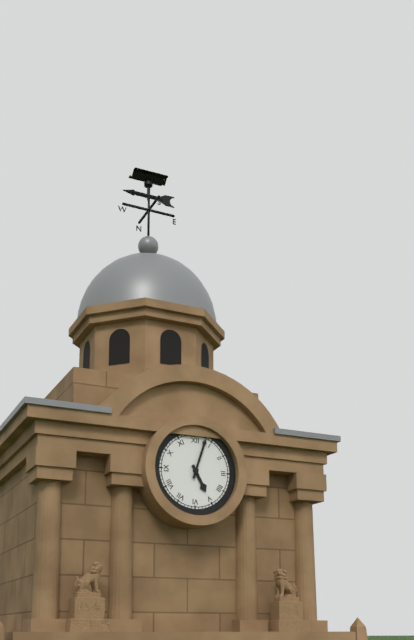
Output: h=5 m=3
